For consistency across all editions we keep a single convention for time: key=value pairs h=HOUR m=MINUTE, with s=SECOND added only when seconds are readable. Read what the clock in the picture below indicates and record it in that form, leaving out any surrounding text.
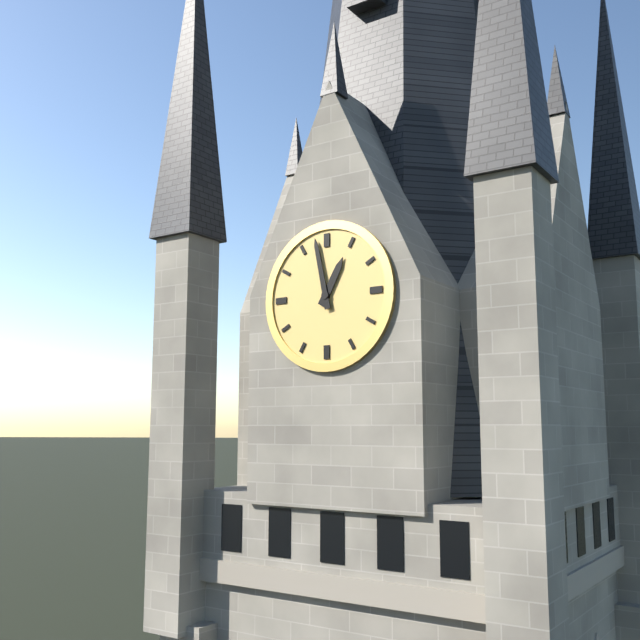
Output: h=12 m=58
